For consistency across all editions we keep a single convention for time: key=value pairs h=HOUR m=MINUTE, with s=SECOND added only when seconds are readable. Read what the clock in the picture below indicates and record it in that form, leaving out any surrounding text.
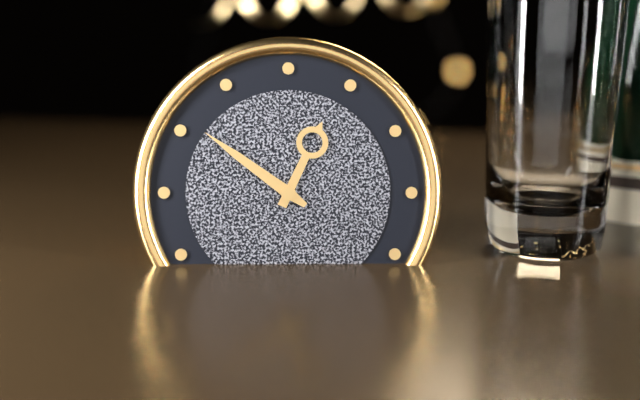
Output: h=12 m=51
